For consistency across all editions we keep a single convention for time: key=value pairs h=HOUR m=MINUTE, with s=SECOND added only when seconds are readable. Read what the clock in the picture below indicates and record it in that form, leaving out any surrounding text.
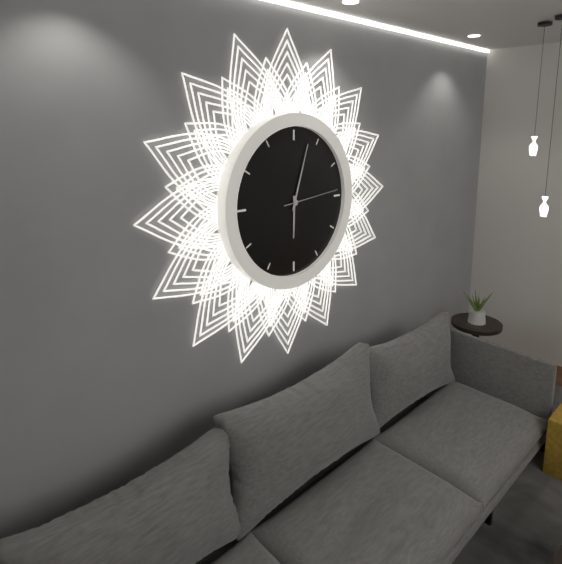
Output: h=6 m=3 s=14
